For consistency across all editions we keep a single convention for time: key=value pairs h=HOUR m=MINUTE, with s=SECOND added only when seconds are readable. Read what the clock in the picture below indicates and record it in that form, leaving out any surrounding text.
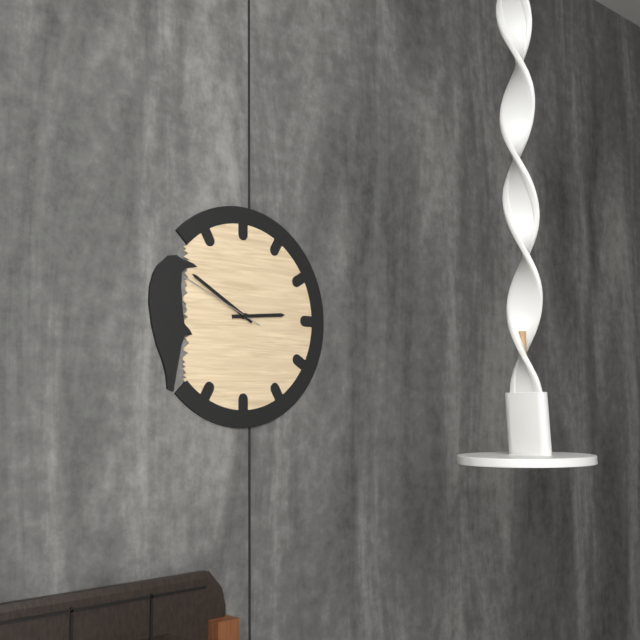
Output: h=2 m=50 s=49
